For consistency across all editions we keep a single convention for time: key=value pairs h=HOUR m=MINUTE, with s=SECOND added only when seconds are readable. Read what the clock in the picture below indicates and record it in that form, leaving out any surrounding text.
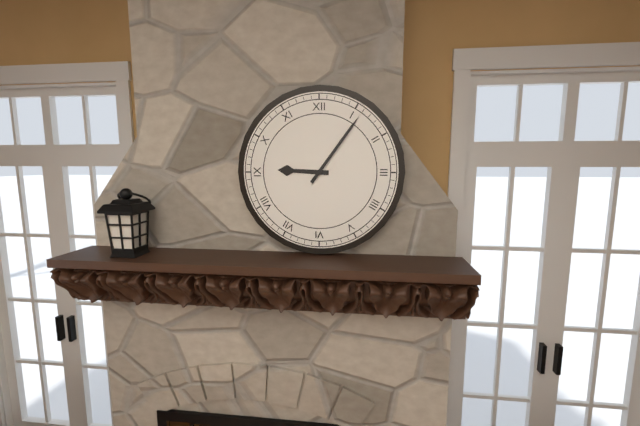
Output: h=9 m=6
